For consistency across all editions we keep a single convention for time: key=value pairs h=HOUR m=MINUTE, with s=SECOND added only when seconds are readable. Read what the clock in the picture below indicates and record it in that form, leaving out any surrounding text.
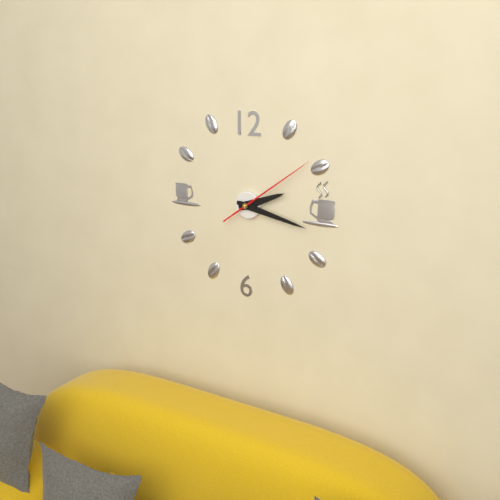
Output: h=2 m=17 s=9
